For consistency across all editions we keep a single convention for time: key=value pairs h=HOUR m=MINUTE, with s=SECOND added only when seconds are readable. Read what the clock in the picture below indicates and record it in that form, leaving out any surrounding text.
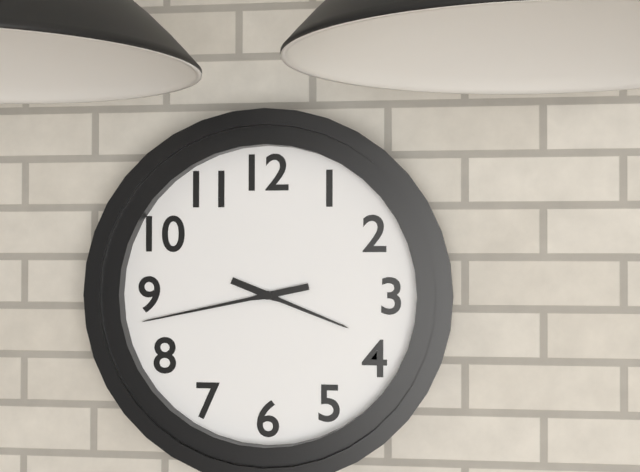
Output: h=3 m=43
